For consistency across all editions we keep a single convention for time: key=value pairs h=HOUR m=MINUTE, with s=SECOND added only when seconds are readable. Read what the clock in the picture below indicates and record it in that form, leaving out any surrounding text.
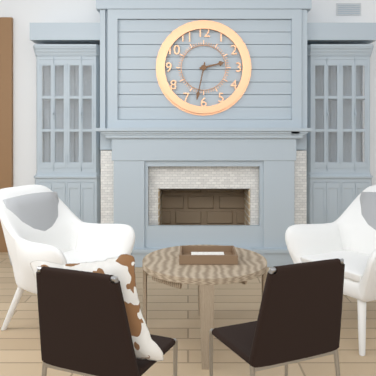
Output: h=2 m=32
